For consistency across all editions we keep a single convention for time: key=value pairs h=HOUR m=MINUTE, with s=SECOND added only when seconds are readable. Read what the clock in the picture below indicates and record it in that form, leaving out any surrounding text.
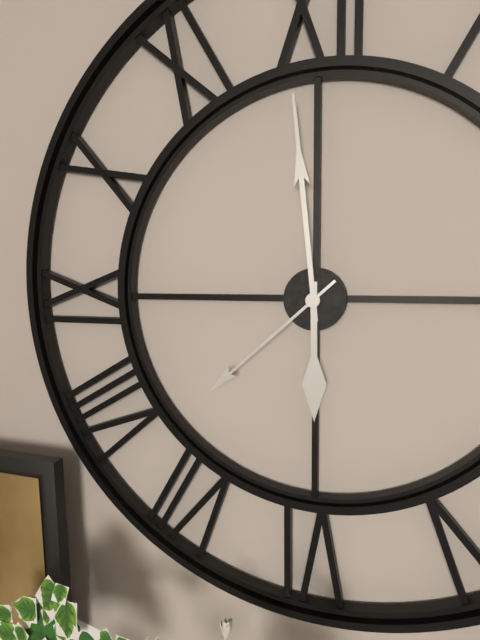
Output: h=5 m=59 s=38
